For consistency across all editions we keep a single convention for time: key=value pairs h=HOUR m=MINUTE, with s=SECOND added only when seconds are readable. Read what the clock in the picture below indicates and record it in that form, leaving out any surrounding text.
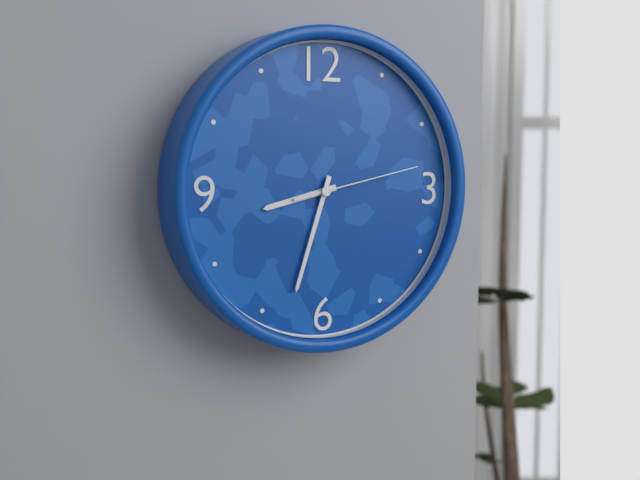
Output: h=8 m=33 s=13
